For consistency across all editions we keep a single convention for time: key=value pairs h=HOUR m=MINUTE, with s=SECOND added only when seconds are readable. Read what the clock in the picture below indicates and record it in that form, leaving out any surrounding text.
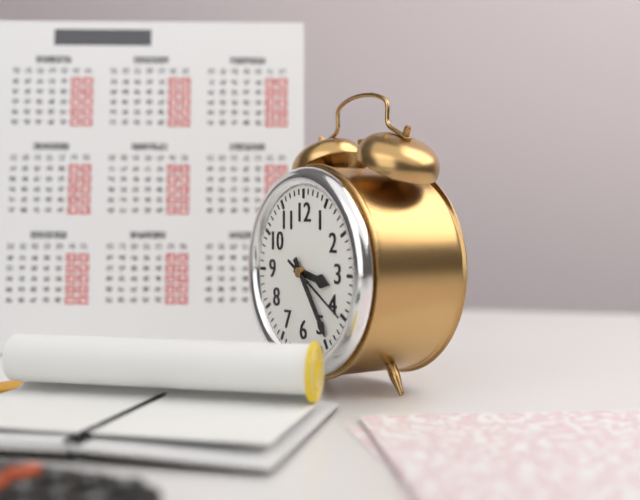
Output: h=3 m=24 s=20
